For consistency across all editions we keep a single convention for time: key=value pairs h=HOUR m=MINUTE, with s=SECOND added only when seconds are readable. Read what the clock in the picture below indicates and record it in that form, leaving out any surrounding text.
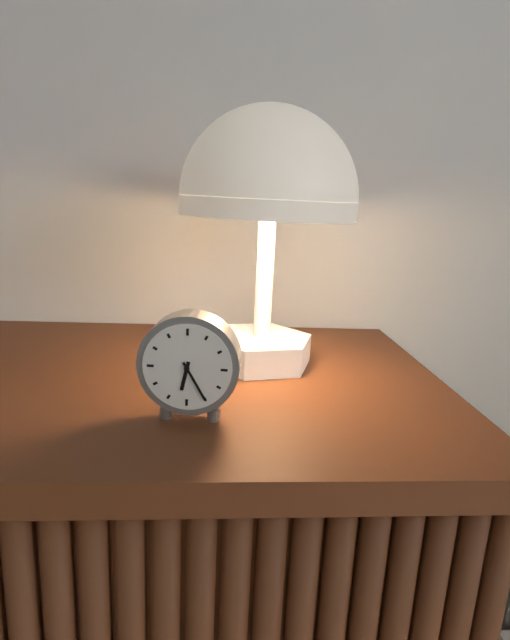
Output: h=6 m=25
